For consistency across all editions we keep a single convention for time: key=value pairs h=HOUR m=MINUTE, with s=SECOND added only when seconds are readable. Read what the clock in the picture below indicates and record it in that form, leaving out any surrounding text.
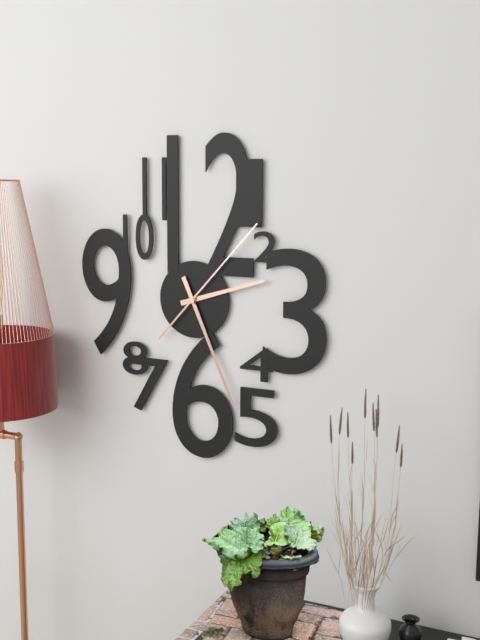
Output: h=2 m=26 s=7
